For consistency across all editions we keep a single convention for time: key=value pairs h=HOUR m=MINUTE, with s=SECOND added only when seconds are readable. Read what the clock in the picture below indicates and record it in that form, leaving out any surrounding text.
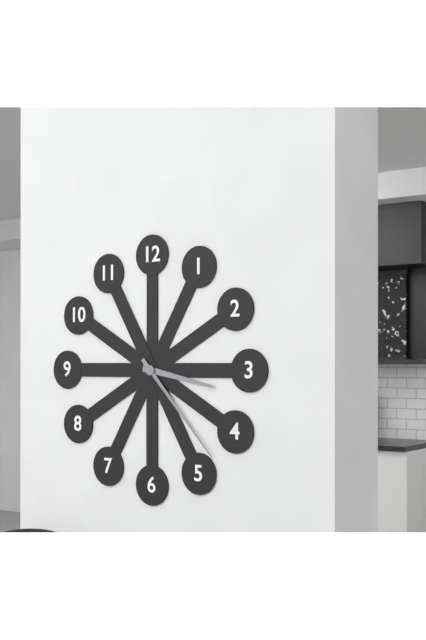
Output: h=3 m=23
